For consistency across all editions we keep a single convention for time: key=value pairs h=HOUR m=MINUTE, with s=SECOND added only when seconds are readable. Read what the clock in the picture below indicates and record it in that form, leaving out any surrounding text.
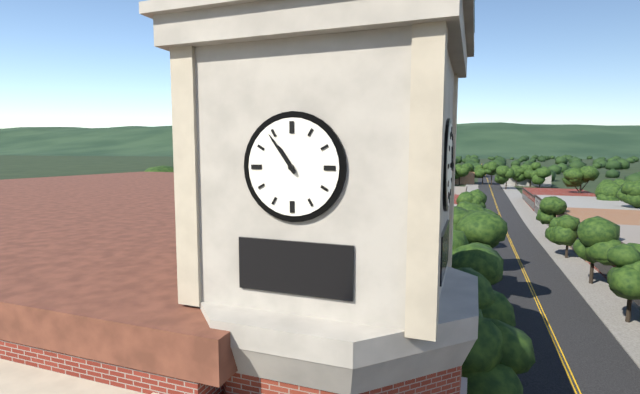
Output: h=10 m=54
